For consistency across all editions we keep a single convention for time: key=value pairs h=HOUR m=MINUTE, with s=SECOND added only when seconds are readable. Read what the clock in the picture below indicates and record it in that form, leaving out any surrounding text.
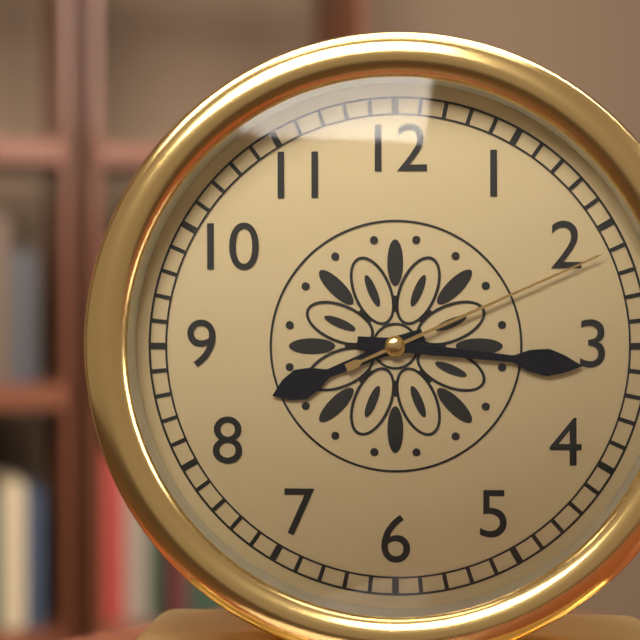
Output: h=8 m=16 s=11
